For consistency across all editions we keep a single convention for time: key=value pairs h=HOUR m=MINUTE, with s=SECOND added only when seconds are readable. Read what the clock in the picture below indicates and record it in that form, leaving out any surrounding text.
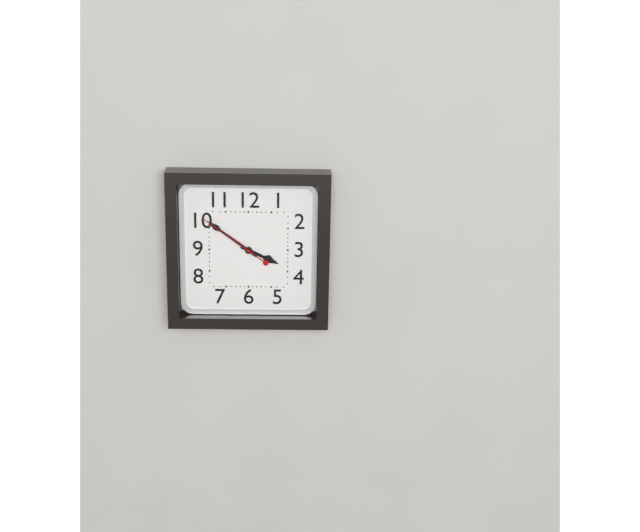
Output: h=3 m=51 s=51
